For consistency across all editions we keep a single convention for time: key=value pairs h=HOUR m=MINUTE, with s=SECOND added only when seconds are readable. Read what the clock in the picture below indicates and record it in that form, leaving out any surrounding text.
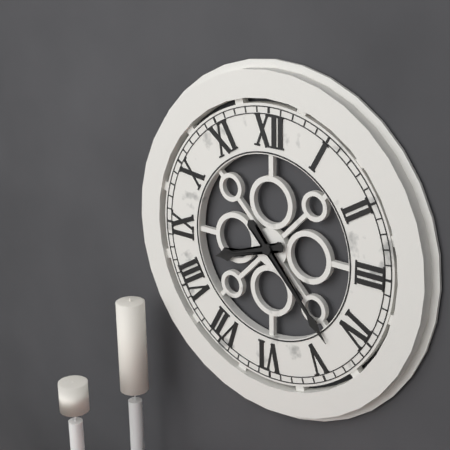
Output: h=8 m=23
